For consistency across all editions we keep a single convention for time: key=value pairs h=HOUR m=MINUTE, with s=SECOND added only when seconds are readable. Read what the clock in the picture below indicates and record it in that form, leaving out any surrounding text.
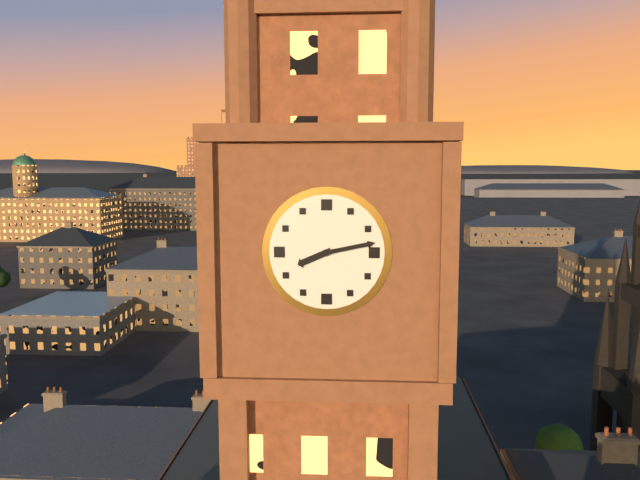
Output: h=8 m=13
